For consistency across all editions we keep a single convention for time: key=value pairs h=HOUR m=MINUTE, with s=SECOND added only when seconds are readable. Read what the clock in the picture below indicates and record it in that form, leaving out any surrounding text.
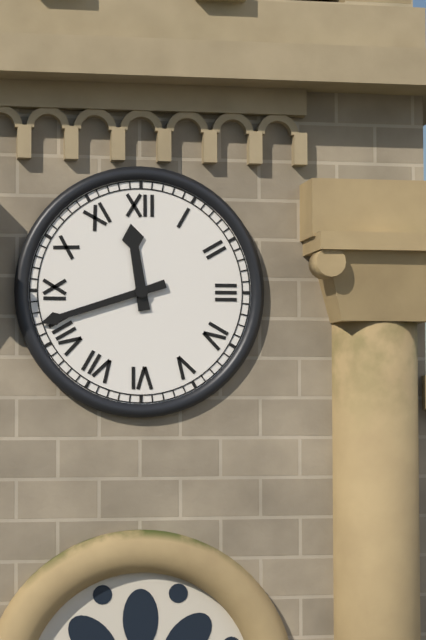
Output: h=11 m=42
